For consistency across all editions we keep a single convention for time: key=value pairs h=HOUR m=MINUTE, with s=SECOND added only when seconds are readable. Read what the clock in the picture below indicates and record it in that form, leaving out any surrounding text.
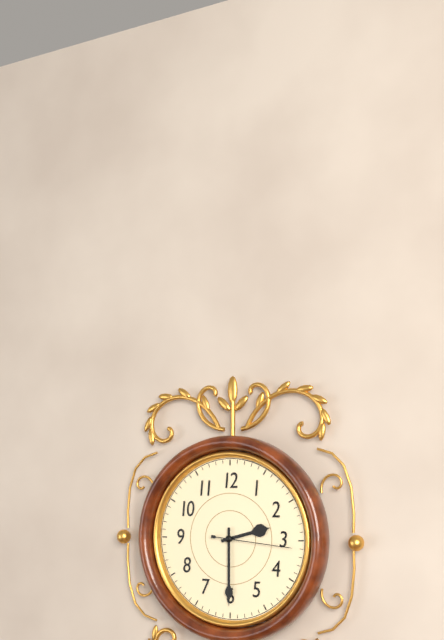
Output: h=2 m=30 s=16
